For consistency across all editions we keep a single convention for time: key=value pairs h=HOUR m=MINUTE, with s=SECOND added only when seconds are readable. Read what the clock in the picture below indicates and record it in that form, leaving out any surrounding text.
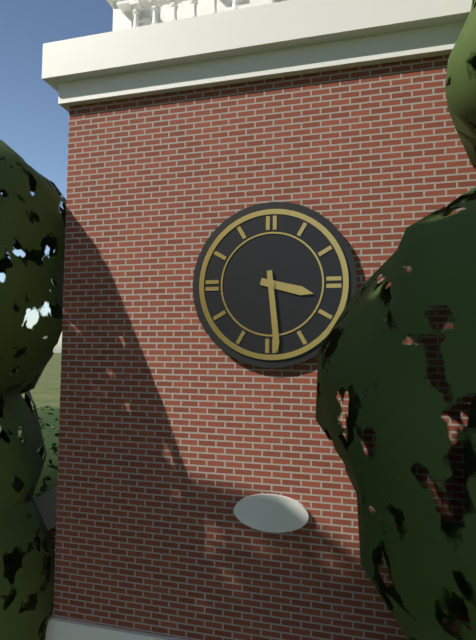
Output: h=3 m=29
